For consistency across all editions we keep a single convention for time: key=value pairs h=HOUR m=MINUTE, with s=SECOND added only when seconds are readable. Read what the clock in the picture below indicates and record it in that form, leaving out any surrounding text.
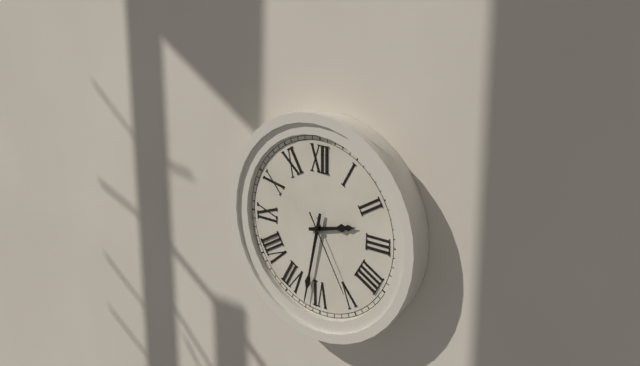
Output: h=2 m=32 s=25
